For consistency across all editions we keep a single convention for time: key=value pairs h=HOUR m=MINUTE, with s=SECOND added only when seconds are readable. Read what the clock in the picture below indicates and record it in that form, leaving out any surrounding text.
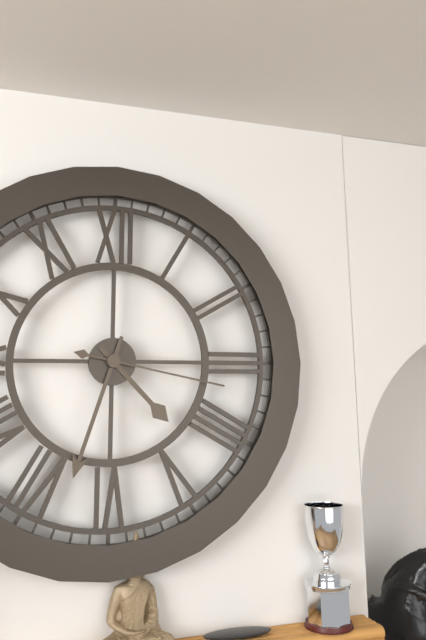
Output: h=4 m=33 s=17
